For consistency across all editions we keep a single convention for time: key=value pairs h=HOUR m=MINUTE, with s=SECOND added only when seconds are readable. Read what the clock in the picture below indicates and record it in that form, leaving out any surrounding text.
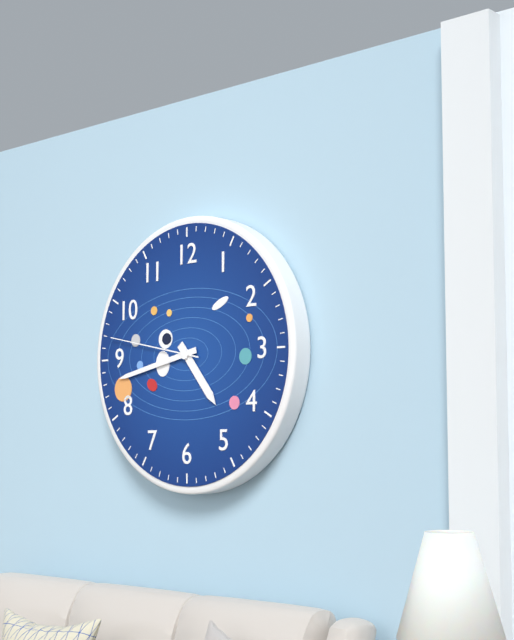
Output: h=4 m=43 s=47
